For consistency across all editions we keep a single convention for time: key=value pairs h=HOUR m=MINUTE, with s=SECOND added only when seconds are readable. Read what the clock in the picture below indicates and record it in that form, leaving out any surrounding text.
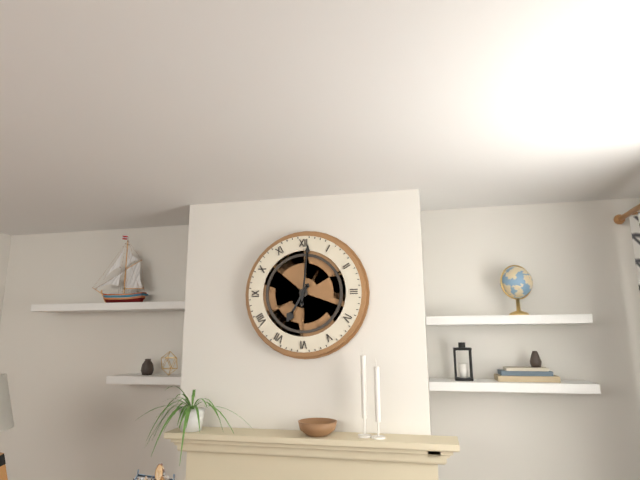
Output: h=7 m=1
